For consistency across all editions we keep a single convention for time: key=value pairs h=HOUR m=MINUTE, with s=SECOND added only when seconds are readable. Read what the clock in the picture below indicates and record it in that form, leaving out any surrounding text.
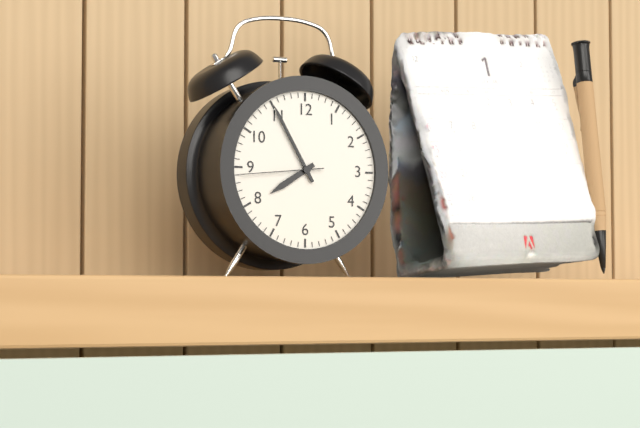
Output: h=7 m=55 s=44
